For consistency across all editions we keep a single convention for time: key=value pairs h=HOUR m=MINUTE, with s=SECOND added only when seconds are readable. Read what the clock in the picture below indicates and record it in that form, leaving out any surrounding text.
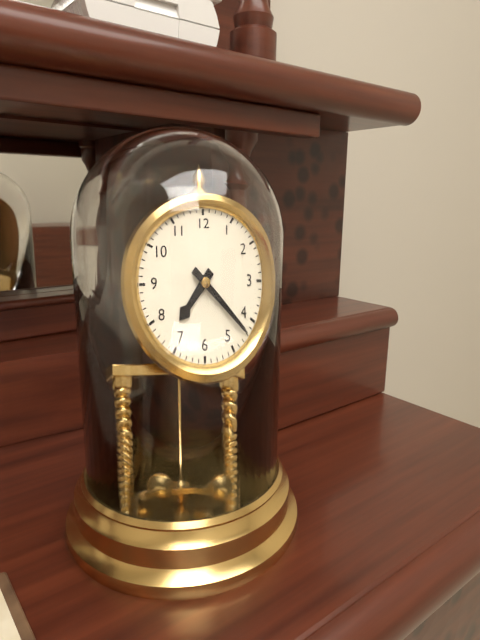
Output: h=7 m=22
